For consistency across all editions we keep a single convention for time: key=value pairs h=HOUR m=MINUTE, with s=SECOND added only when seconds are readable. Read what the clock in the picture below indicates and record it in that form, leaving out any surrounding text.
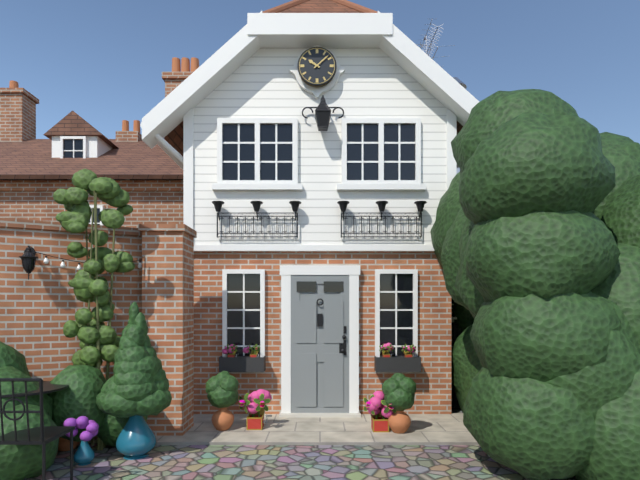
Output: h=10 m=8
